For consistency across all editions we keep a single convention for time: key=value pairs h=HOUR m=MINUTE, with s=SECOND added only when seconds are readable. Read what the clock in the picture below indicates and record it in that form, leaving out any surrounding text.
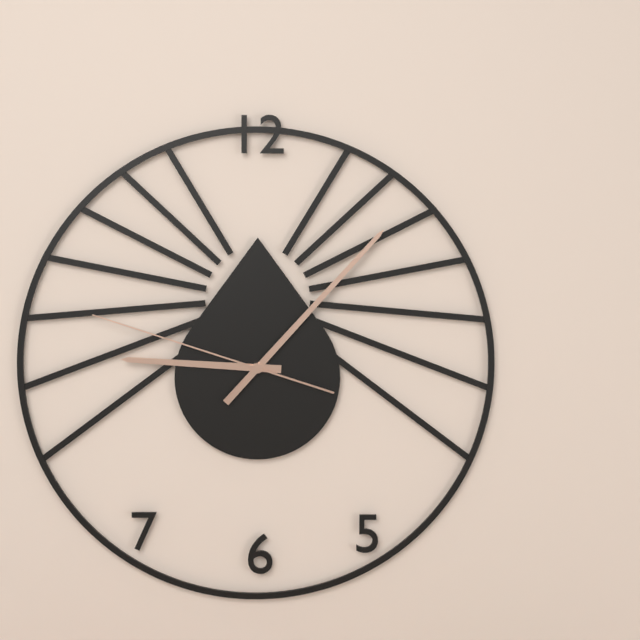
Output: h=9 m=7 s=48
